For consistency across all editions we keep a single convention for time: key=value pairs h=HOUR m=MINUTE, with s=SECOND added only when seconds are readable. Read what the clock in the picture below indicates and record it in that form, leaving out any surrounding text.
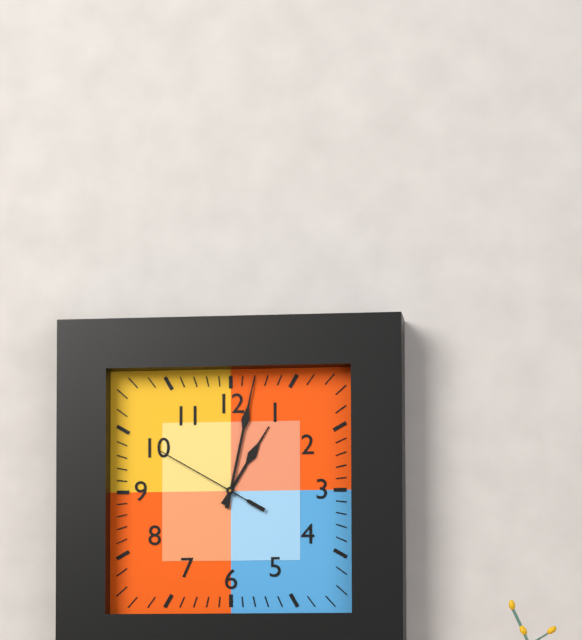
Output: h=1 m=2 s=50
